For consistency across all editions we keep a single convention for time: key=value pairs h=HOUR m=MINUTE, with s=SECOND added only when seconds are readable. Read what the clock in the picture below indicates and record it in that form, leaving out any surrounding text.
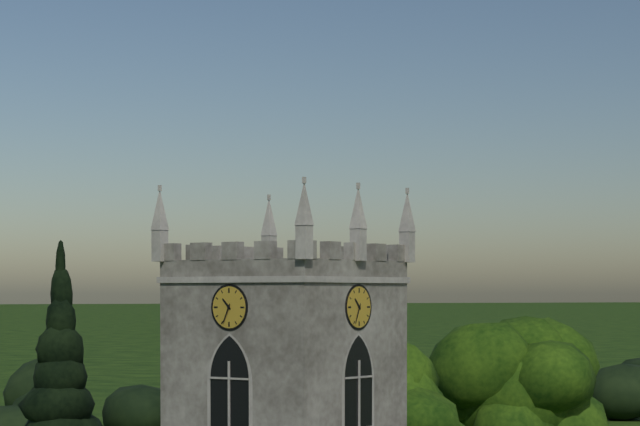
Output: h=10 m=34
